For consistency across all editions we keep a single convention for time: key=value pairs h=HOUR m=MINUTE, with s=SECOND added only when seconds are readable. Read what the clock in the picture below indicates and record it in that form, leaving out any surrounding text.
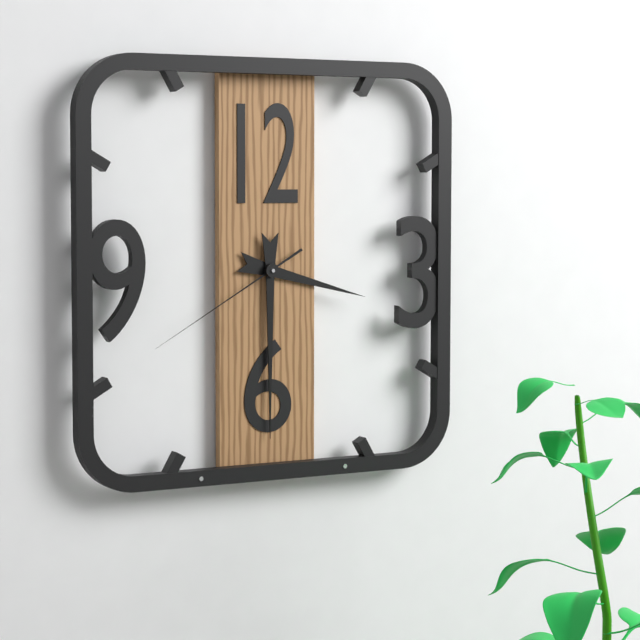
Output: h=3 m=30 s=40
